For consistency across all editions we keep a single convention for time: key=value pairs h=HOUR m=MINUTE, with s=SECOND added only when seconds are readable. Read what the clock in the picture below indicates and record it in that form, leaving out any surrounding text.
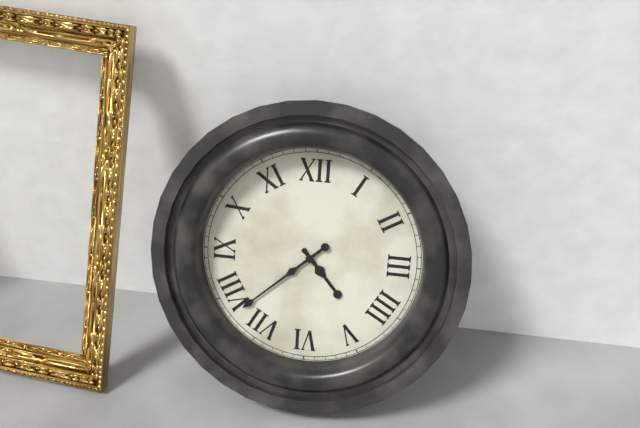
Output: h=4 m=38
